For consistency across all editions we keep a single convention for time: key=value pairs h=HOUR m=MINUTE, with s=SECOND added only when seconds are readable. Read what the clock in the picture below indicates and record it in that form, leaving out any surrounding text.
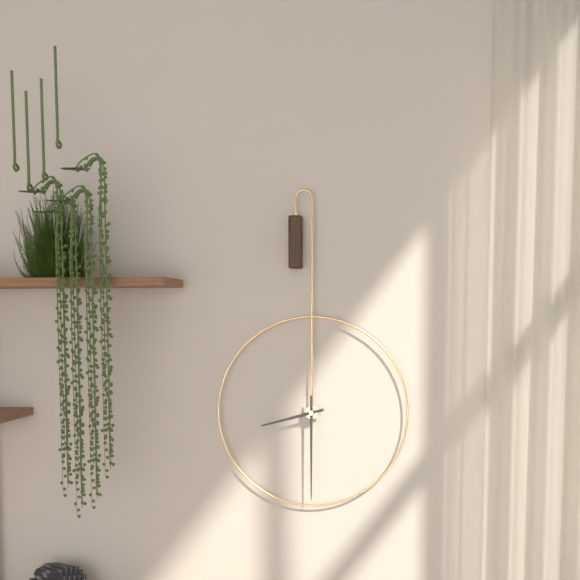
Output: h=8 m=30
